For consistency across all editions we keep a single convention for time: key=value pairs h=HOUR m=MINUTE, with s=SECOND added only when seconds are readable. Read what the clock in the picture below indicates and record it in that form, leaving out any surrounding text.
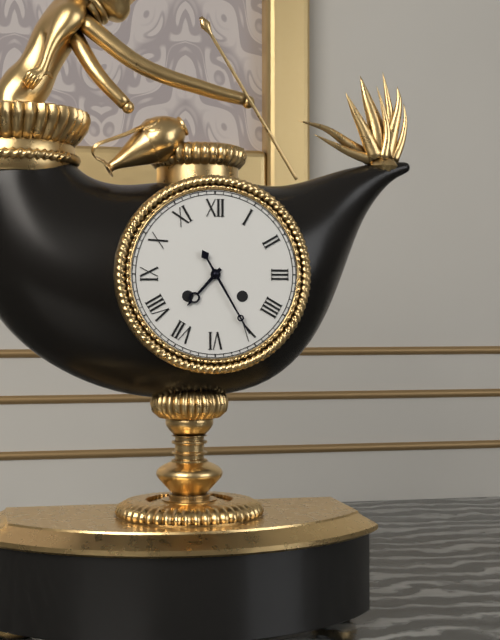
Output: h=7 m=25
